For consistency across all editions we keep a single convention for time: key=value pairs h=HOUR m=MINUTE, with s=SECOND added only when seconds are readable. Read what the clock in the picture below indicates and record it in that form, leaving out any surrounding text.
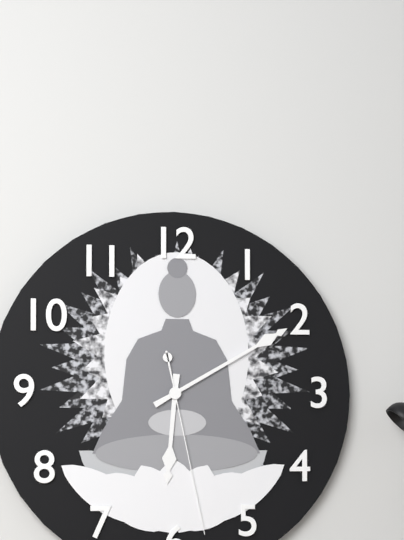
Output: h=6 m=10 s=28
